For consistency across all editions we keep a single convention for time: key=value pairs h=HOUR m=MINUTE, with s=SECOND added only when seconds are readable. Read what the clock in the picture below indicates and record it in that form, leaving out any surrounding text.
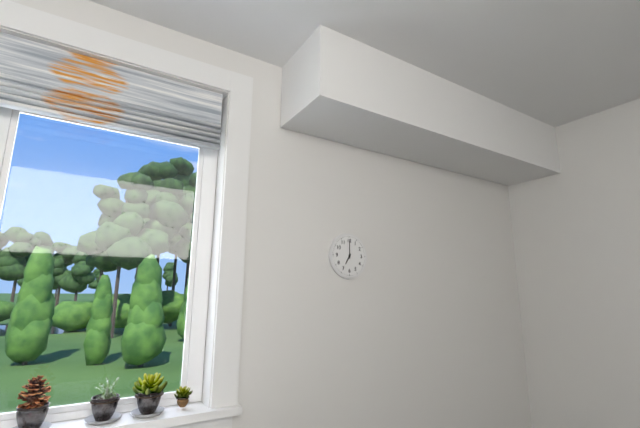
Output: h=7 m=0
